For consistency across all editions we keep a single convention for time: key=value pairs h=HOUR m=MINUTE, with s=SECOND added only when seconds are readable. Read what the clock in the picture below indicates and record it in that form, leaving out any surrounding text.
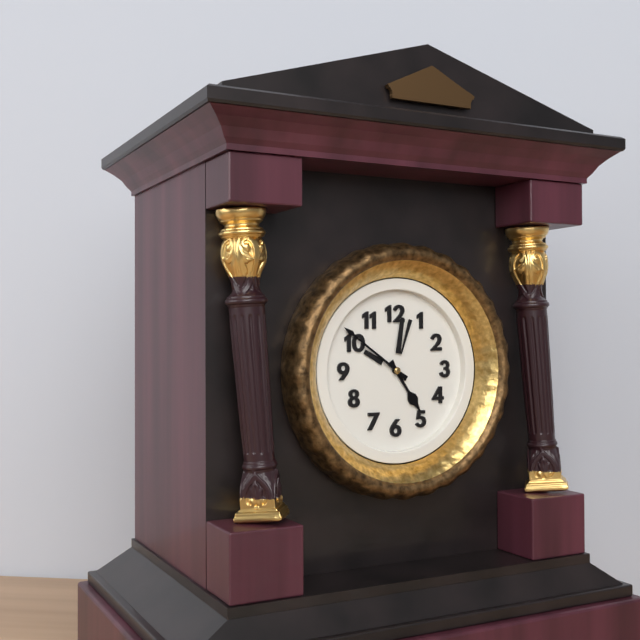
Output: h=4 m=51
